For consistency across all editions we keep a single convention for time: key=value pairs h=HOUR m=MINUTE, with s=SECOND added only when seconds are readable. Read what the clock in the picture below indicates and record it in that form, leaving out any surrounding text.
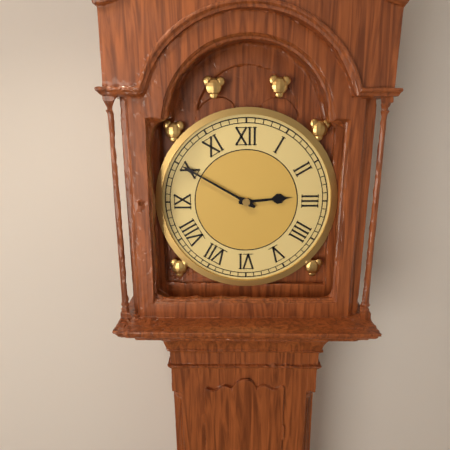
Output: h=2 m=50
